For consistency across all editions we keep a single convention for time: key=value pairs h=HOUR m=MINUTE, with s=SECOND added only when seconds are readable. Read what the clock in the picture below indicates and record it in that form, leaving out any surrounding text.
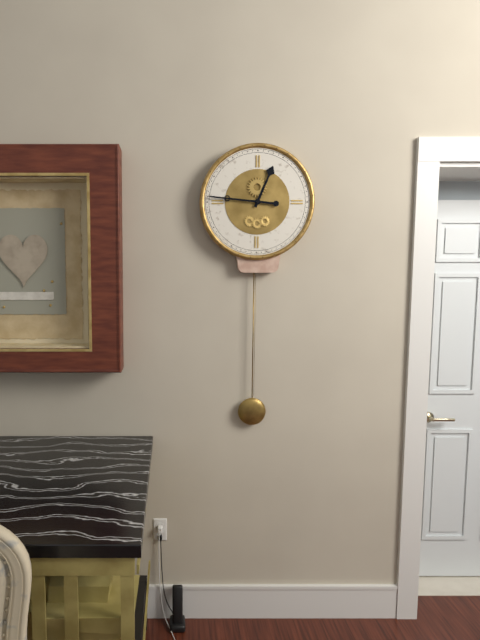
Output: h=12 m=46
